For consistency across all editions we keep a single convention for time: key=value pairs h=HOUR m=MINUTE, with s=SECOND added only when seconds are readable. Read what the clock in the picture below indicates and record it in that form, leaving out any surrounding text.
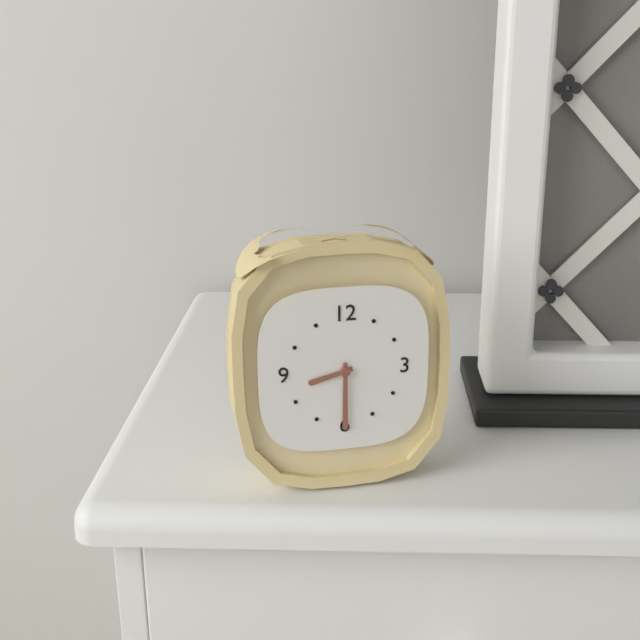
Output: h=8 m=30
